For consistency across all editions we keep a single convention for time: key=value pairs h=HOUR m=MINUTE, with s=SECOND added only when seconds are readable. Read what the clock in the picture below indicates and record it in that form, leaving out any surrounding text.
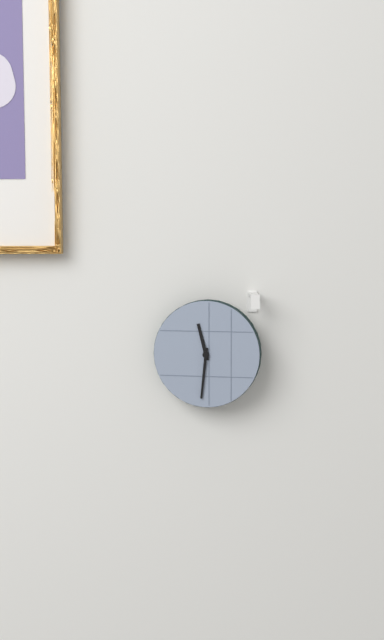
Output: h=11 m=31
